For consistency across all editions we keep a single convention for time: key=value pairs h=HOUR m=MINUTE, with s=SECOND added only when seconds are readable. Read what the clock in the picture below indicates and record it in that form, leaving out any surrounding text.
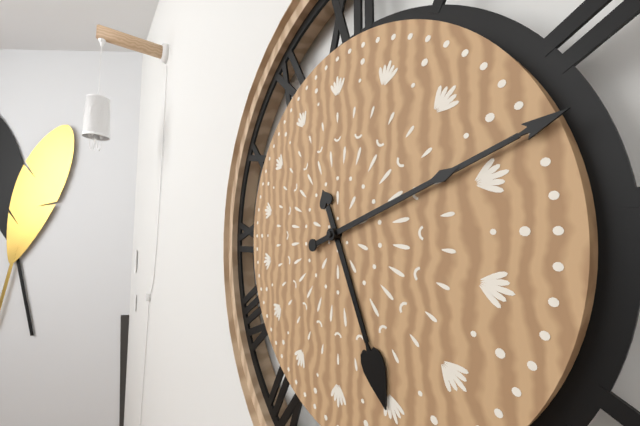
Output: h=5 m=12
